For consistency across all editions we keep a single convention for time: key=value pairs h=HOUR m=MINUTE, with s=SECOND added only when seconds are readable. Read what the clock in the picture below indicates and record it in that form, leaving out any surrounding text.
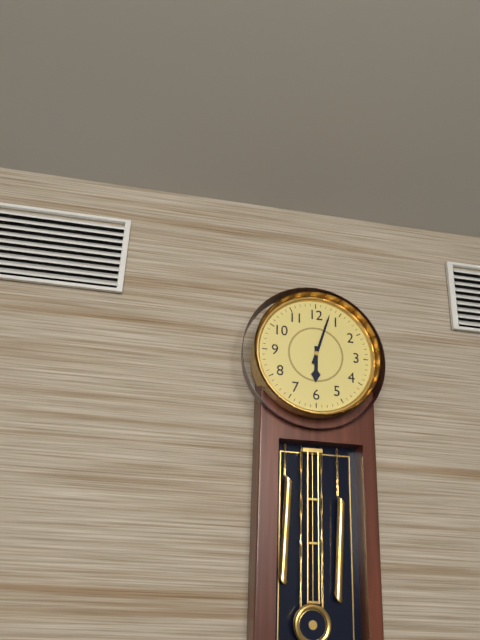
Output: h=6 m=3
